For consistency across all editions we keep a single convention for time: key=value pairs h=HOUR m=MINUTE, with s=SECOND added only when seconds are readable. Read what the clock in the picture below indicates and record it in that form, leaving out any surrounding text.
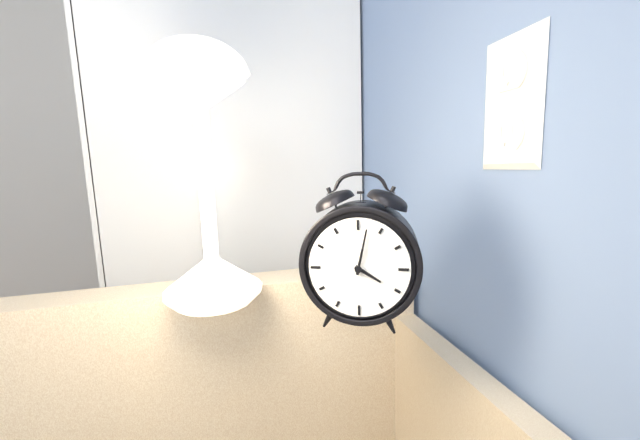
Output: h=4 m=2
